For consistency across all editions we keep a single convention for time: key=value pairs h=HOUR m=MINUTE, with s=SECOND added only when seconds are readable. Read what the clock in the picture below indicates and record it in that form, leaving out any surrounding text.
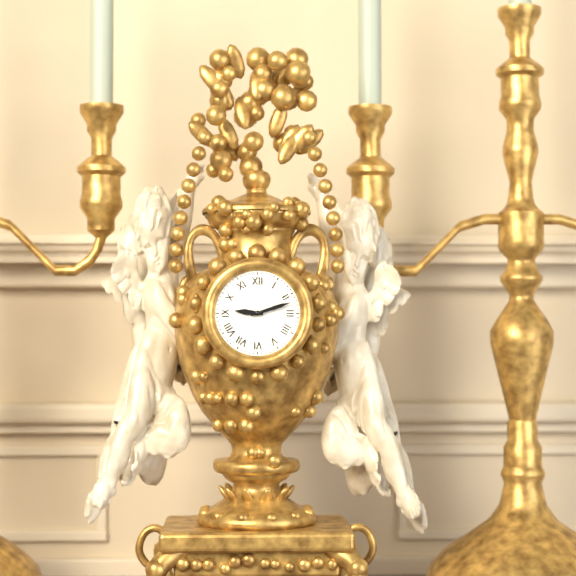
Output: h=9 m=12
